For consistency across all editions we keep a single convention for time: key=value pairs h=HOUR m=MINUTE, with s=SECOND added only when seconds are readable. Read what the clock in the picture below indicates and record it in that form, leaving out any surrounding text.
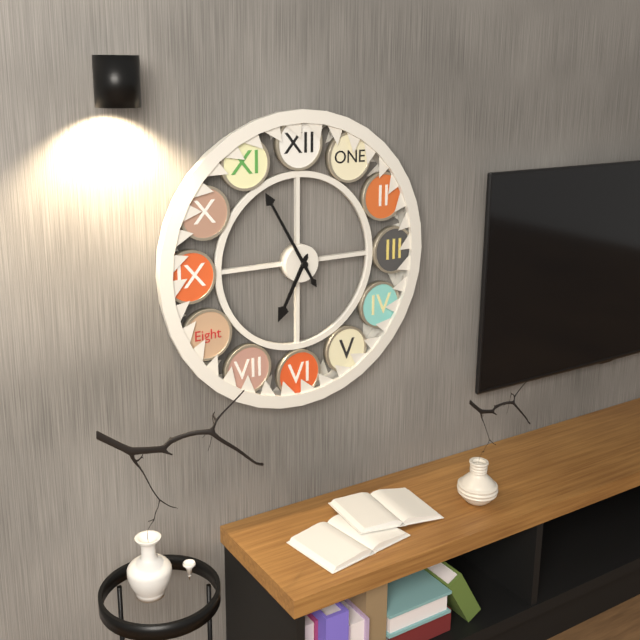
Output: h=6 m=55
